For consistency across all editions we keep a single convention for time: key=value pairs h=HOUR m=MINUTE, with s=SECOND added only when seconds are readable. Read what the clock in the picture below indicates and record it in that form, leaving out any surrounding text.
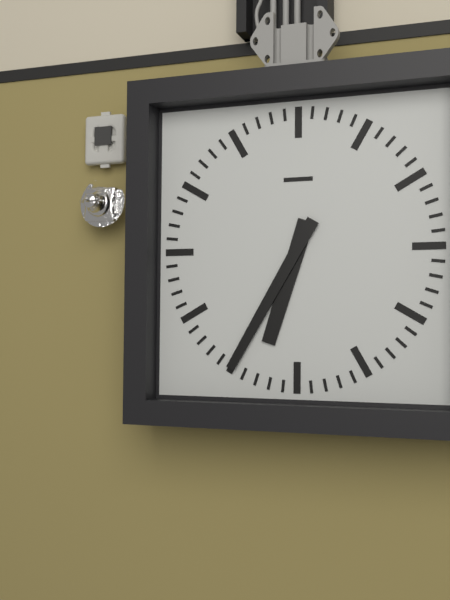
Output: h=6 m=35
